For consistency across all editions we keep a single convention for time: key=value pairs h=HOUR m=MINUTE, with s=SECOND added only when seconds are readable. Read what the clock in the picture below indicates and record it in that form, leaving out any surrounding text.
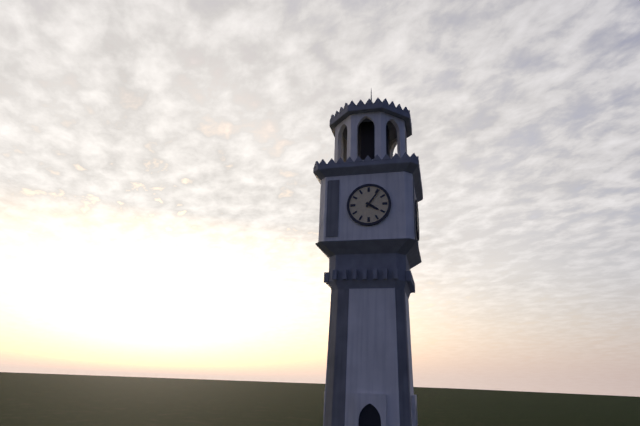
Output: h=4 m=6
